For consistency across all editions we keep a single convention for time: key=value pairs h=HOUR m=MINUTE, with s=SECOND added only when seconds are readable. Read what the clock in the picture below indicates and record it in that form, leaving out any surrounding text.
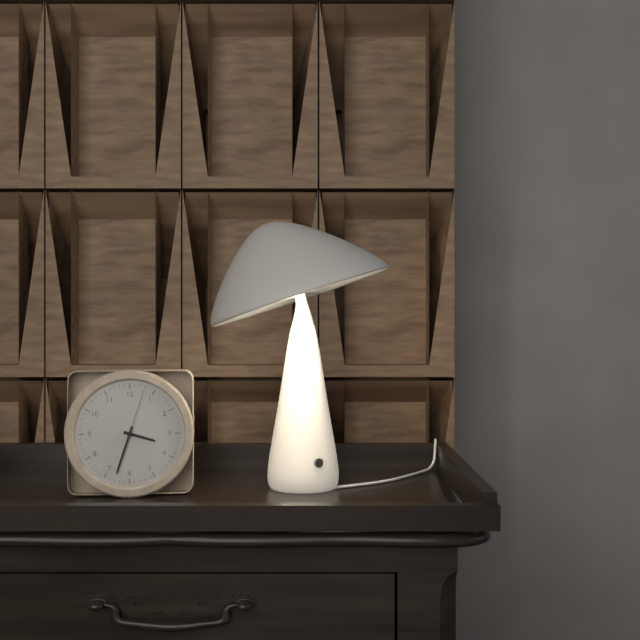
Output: h=3 m=33 s=3
